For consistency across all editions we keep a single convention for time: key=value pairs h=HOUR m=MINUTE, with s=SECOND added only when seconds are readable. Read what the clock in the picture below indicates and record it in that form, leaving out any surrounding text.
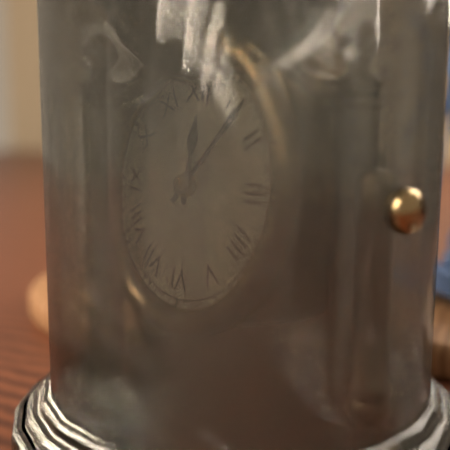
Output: h=12 m=7
